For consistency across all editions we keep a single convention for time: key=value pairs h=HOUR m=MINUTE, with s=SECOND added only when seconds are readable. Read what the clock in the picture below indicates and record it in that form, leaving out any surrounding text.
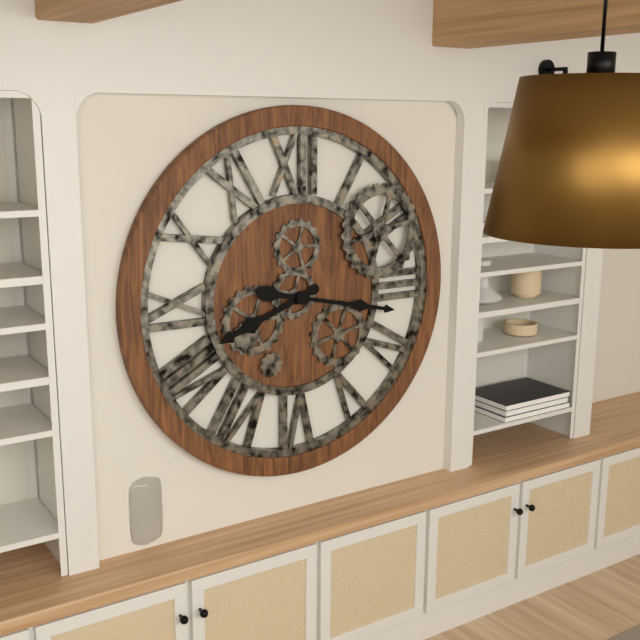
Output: h=8 m=17
